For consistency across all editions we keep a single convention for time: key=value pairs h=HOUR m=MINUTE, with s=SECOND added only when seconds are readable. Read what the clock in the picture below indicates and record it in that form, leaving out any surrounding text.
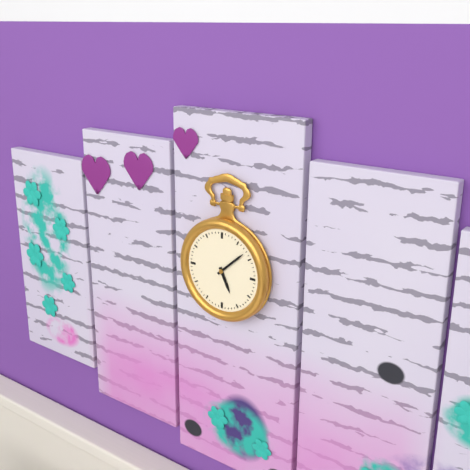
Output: h=5 m=8
